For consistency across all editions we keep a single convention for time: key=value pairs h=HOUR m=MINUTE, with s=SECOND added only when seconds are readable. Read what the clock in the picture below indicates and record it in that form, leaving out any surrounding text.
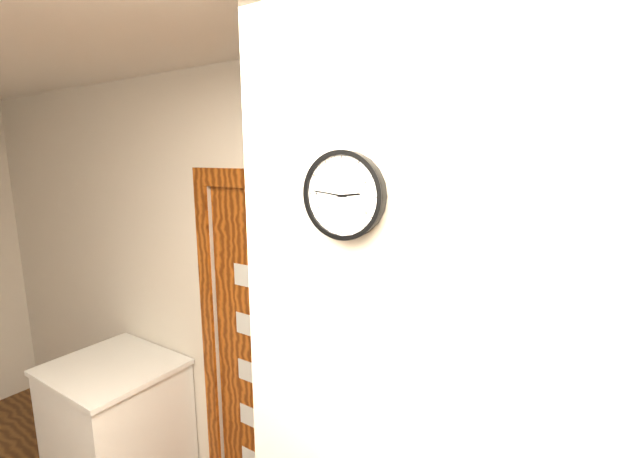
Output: h=2 m=46
